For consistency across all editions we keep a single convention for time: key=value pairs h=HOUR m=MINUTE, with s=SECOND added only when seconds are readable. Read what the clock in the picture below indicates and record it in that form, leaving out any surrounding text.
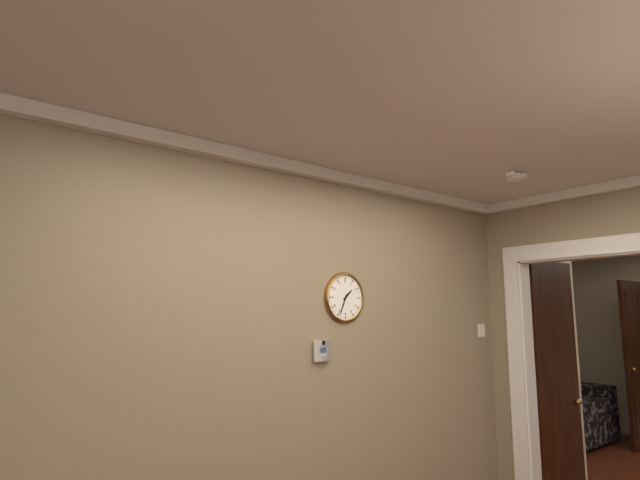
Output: h=1 m=34
